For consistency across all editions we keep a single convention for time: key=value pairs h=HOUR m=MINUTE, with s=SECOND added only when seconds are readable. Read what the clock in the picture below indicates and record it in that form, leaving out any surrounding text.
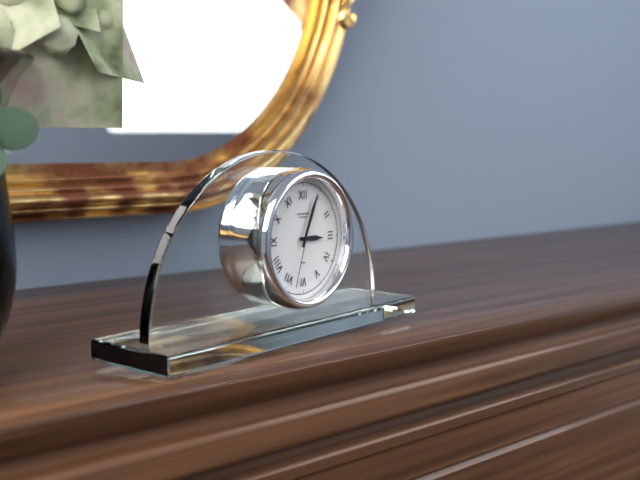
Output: h=3 m=4 s=33
